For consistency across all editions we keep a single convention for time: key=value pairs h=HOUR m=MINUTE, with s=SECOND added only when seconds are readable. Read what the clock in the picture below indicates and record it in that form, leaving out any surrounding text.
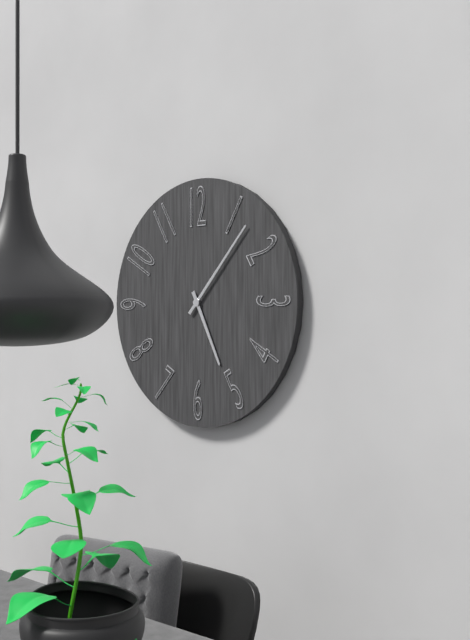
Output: h=5 m=7
